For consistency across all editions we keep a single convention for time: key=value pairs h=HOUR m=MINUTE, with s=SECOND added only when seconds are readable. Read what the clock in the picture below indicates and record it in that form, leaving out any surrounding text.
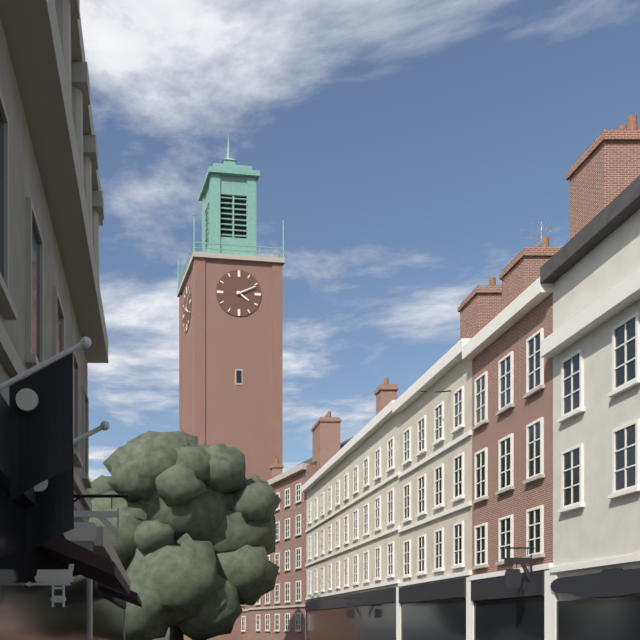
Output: h=4 m=11
